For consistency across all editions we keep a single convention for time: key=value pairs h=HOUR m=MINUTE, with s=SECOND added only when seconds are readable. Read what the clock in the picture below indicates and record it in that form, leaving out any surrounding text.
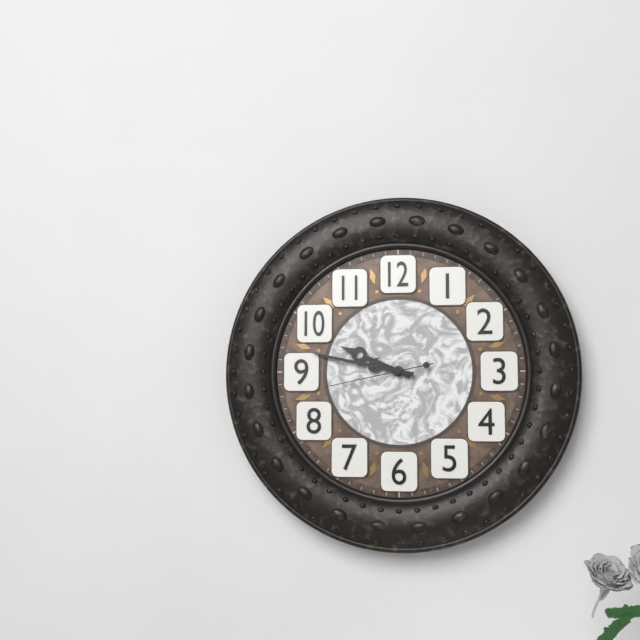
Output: h=9 m=47 s=43
